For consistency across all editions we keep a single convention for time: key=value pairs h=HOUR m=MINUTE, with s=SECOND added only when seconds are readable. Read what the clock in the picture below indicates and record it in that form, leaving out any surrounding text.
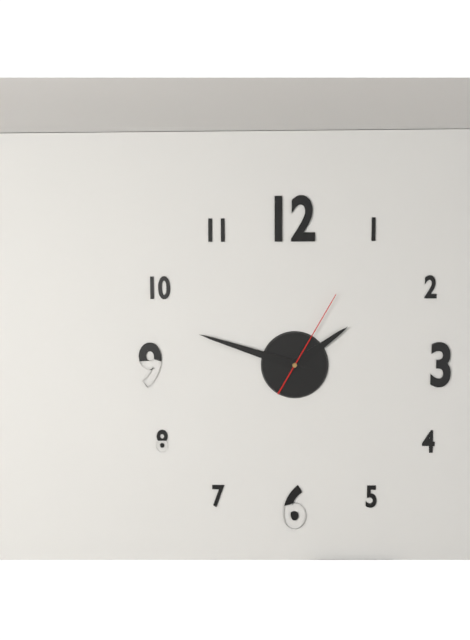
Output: h=1 m=48 s=5
